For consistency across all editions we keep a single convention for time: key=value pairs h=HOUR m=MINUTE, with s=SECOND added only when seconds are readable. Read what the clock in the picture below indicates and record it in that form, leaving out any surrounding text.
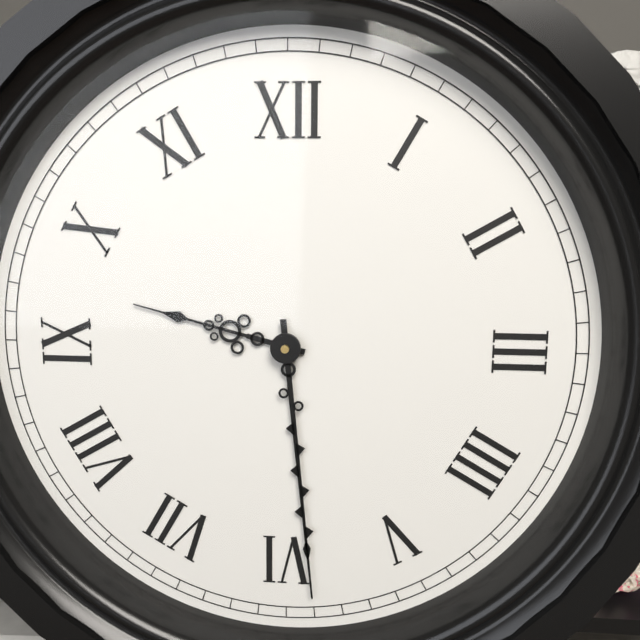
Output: h=9 m=29
